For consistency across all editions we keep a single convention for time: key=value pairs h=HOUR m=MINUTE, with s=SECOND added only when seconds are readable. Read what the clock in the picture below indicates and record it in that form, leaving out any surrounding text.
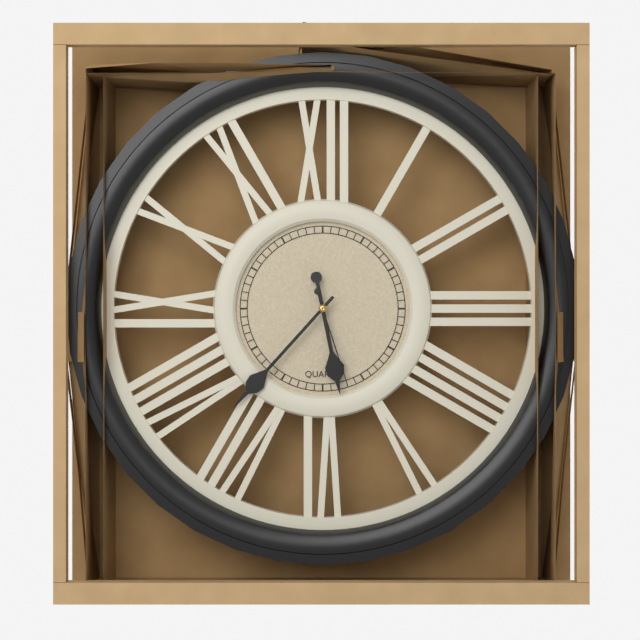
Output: h=5 m=37 s=27
